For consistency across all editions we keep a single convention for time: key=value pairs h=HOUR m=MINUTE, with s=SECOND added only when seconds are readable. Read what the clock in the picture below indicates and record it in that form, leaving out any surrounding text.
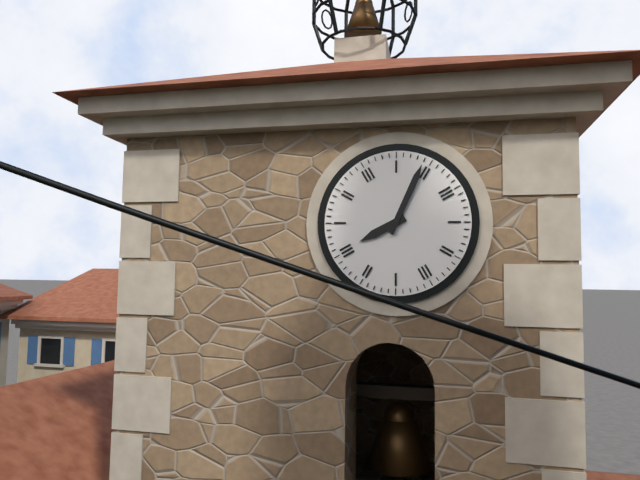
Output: h=8 m=4
